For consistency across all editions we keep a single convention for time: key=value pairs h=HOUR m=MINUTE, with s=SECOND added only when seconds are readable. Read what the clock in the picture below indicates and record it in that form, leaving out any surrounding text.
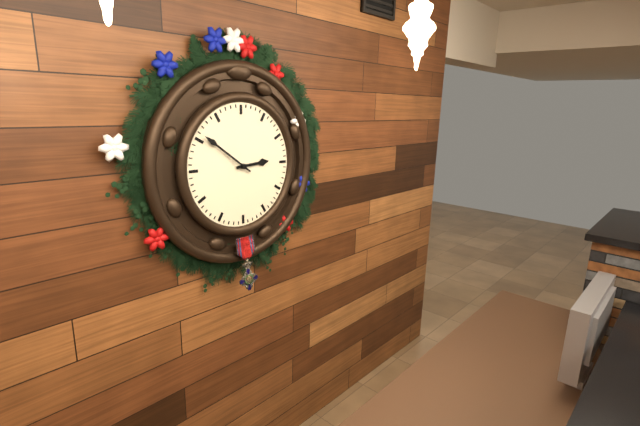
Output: h=2 m=51
